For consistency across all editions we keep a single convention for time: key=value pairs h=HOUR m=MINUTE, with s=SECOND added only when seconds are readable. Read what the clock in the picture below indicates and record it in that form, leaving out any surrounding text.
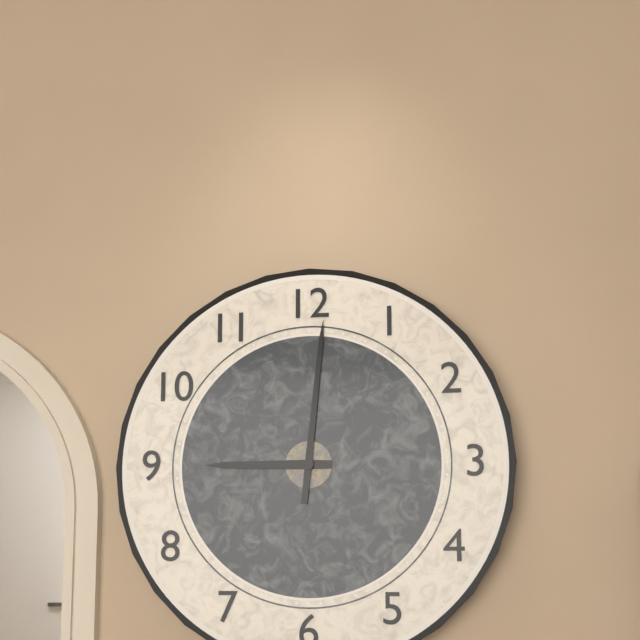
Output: h=9 m=1
